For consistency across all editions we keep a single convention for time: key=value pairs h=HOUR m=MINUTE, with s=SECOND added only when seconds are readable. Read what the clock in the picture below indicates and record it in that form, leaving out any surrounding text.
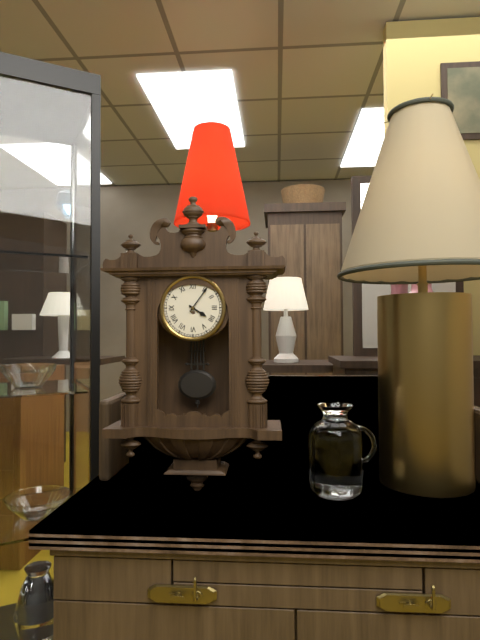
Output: h=4 m=6
